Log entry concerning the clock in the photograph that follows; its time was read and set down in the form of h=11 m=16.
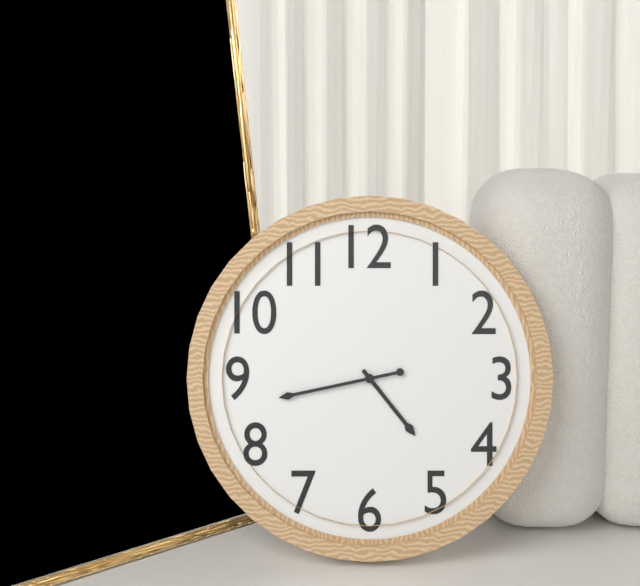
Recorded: h=4 m=43
